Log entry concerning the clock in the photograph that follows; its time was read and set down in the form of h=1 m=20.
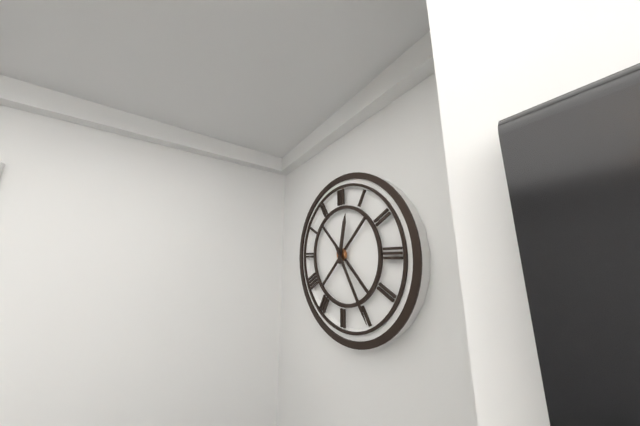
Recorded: h=12 m=25
